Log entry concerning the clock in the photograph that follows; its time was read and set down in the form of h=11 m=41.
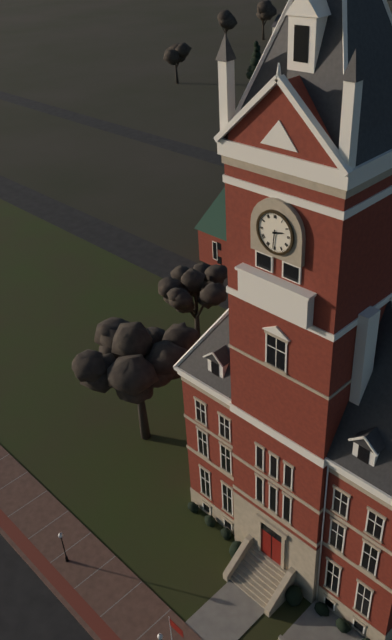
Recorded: h=2 m=31
